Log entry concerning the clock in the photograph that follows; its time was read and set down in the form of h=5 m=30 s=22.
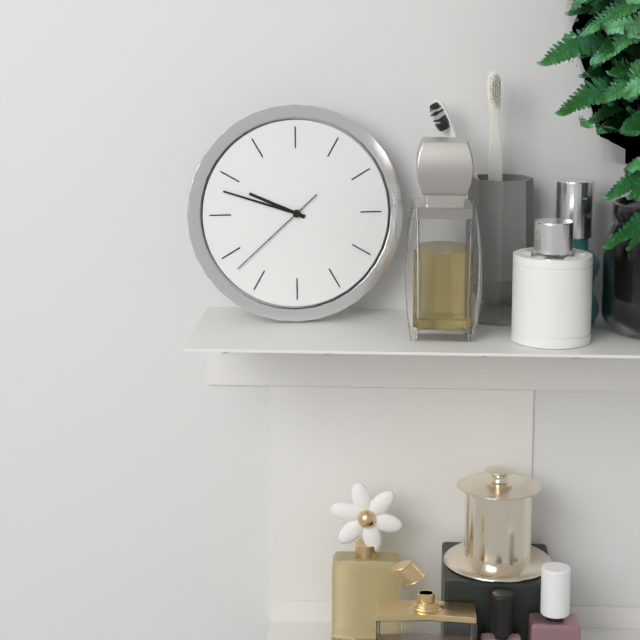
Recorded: h=9 m=48 s=38
